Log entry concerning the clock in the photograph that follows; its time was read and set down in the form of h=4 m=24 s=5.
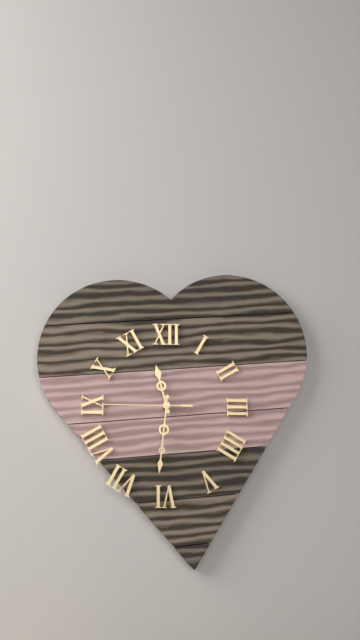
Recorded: h=11 m=31 s=45
